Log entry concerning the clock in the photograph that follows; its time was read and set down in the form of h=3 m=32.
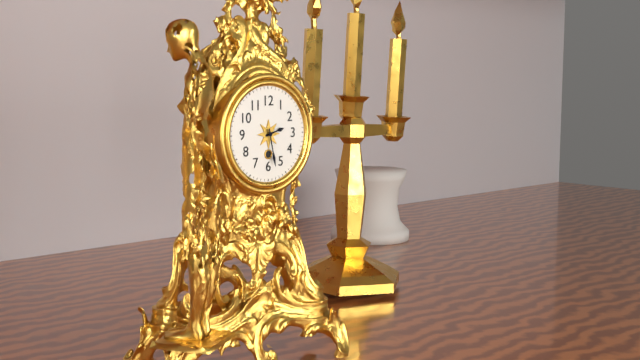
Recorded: h=2 m=28
